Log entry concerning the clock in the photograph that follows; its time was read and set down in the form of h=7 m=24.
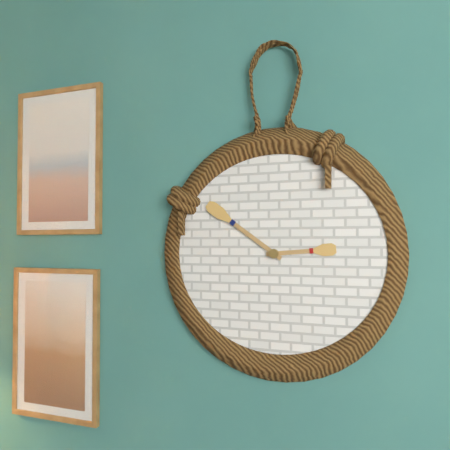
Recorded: h=2 m=51
